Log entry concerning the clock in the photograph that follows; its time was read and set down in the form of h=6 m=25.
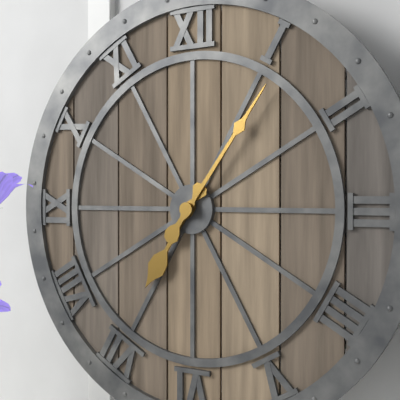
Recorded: h=7 m=6
